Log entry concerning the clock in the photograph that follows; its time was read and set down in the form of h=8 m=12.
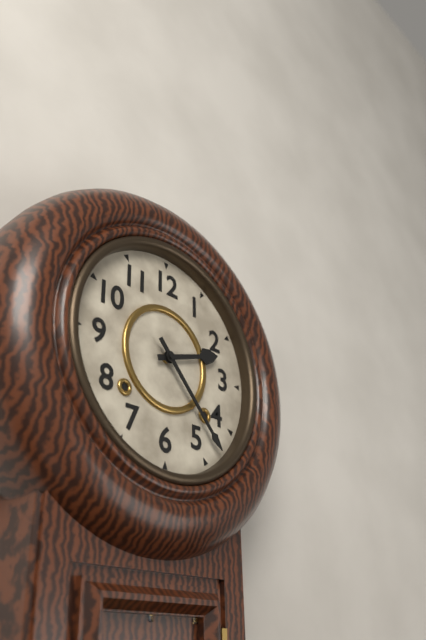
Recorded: h=2 m=23
